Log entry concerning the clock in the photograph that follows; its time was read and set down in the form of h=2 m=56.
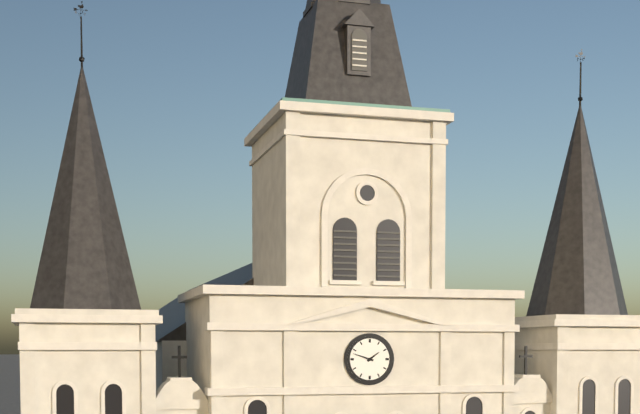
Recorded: h=1 m=48
